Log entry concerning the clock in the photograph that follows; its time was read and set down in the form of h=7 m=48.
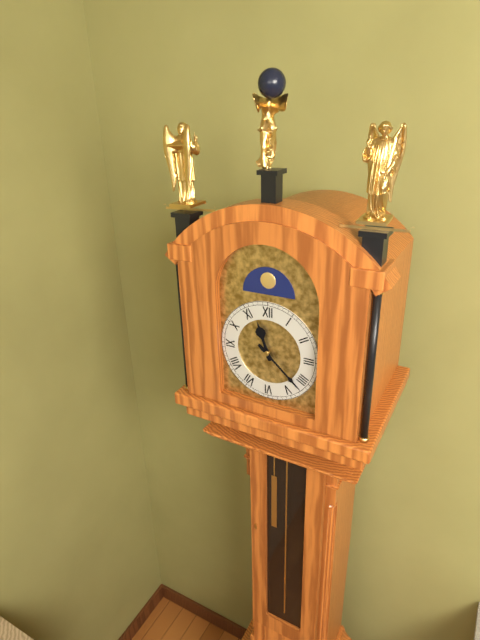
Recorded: h=11 m=22
